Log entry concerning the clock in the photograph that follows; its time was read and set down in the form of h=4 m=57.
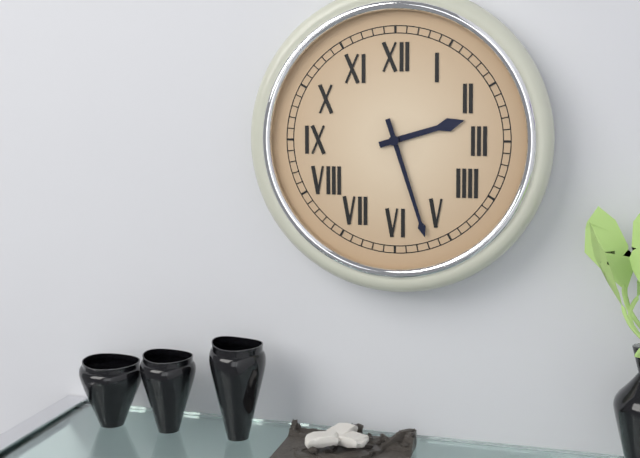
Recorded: h=2 m=27
